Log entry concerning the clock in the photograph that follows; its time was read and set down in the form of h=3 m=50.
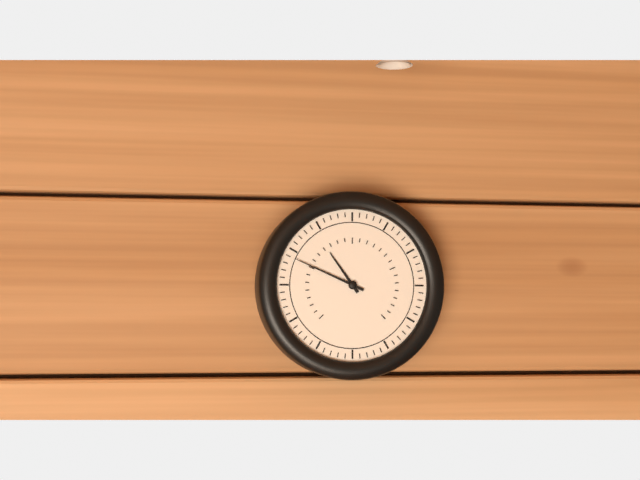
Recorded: h=10 m=49
